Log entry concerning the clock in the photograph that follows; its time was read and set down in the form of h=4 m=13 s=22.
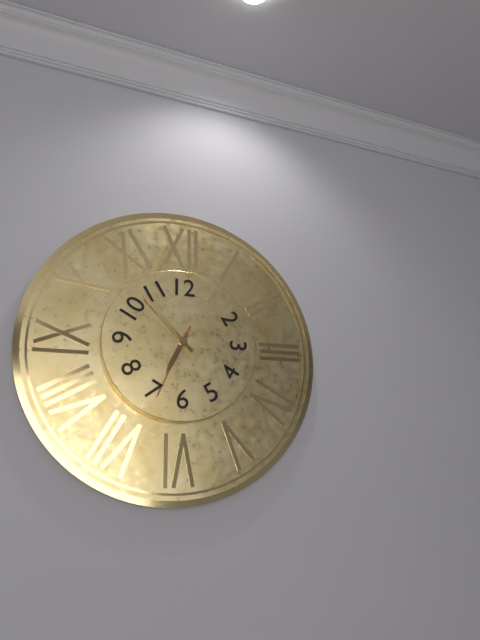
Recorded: h=6 m=53 s=34
